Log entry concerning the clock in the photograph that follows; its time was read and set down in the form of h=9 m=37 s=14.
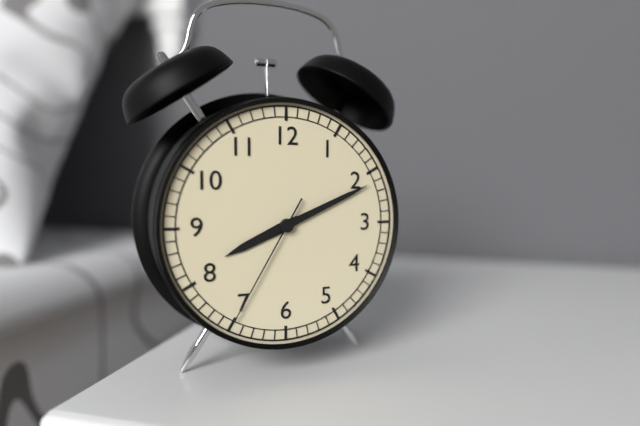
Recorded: h=8 m=11 s=35
